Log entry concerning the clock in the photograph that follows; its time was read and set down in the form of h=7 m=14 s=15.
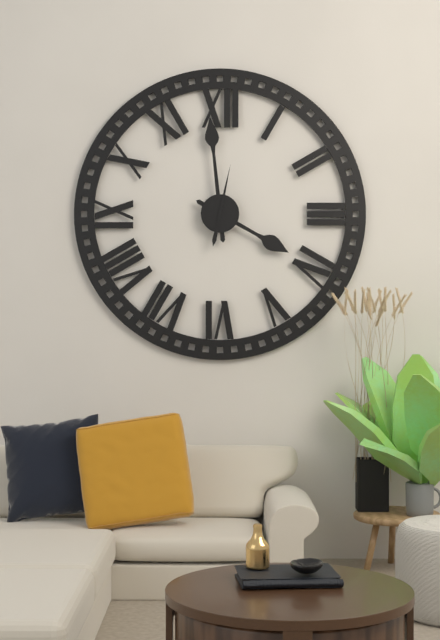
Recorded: h=3 m=59 s=2
